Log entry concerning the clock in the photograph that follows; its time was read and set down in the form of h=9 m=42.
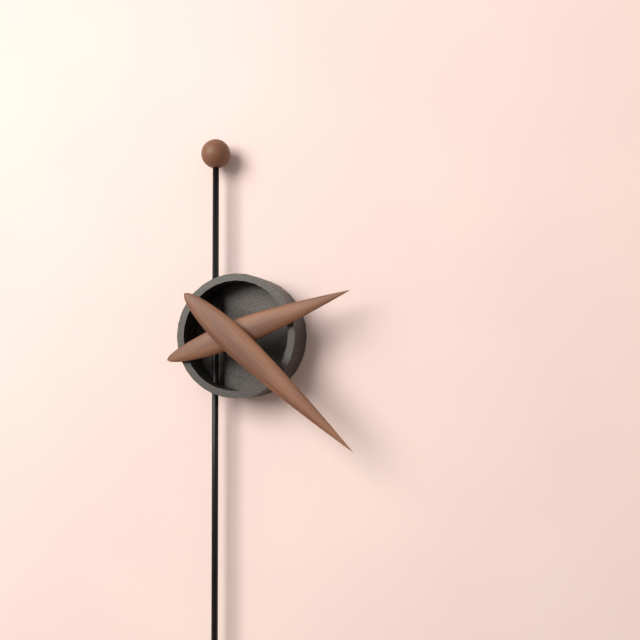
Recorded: h=2 m=22
